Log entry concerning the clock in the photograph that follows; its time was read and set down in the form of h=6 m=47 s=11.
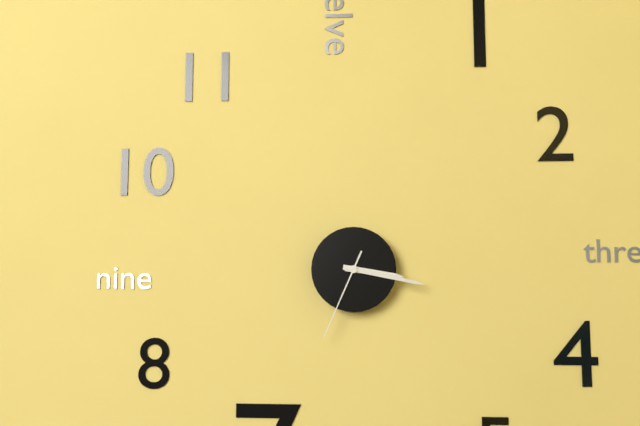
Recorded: h=3 m=17 s=34
